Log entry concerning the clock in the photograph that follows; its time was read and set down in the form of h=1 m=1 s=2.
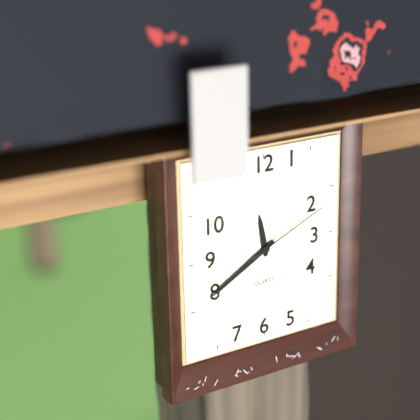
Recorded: h=11 m=40 s=11
